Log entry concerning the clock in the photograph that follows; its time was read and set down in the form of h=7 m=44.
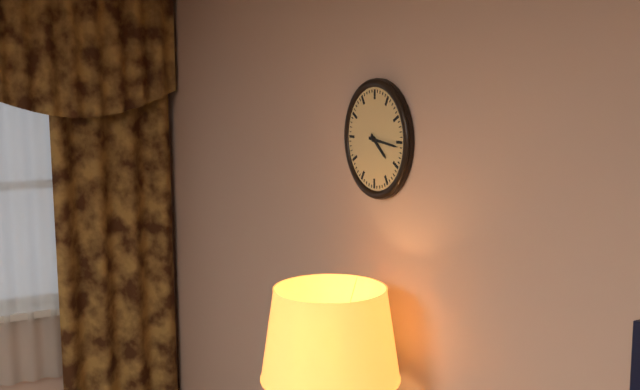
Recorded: h=4 m=16
